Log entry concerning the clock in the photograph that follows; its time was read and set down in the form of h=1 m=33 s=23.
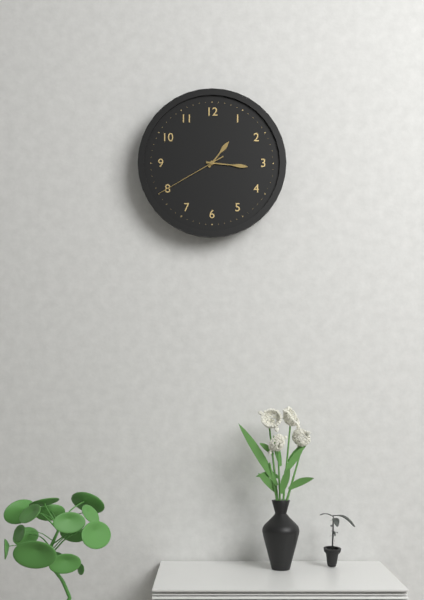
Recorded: h=1 m=16 s=40
